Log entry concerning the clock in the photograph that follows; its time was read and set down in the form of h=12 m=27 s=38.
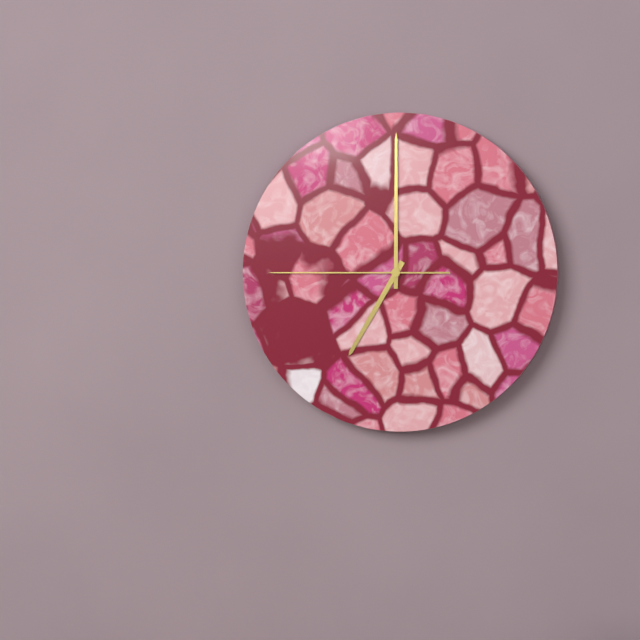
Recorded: h=7 m=0 s=45
